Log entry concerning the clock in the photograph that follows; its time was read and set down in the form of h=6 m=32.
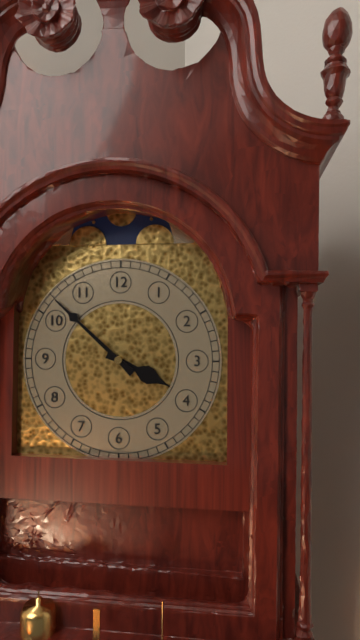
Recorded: h=3 m=52
